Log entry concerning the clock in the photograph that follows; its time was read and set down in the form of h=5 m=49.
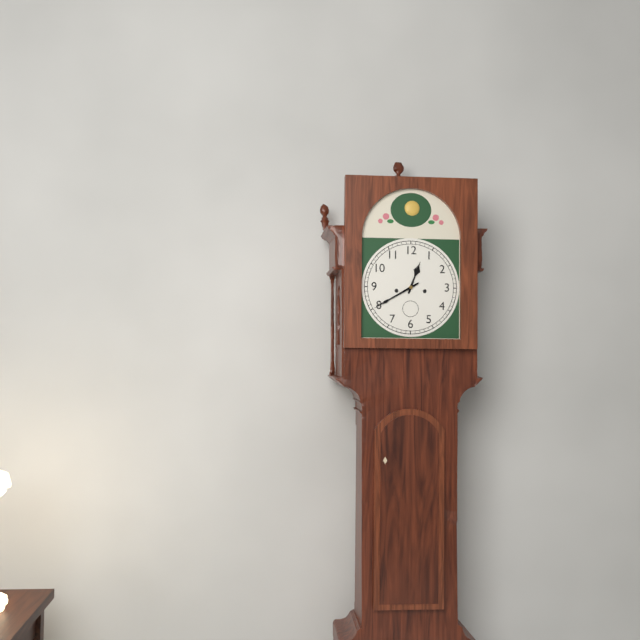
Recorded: h=12 m=40
